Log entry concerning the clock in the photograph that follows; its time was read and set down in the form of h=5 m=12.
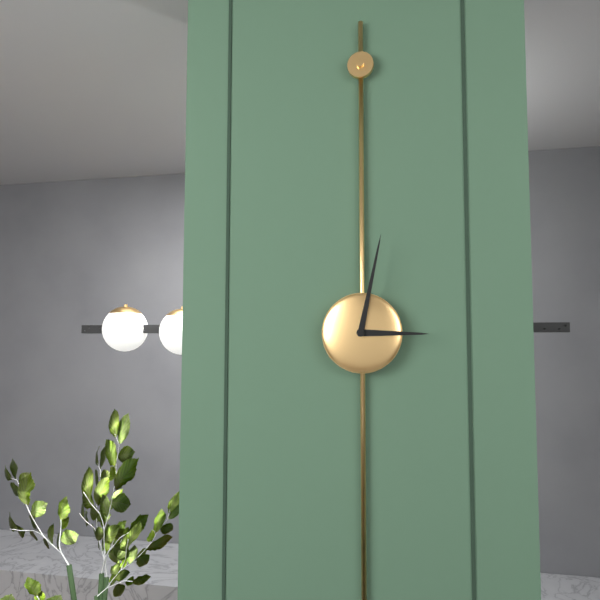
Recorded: h=3 m=2
